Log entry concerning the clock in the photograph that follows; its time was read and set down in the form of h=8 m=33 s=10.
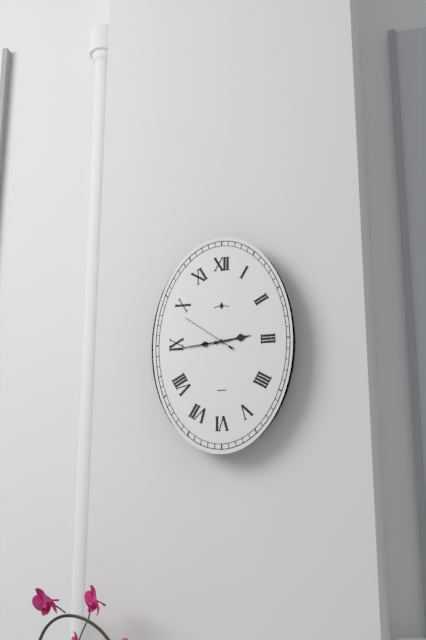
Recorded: h=2 m=44 s=51
